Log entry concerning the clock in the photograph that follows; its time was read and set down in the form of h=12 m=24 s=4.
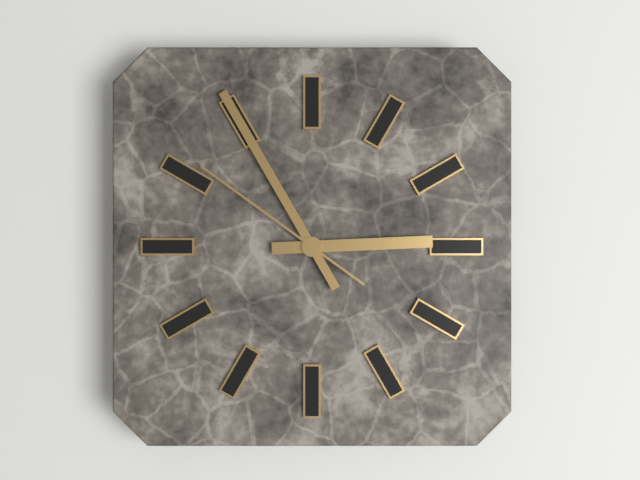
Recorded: h=2 m=55 s=51
